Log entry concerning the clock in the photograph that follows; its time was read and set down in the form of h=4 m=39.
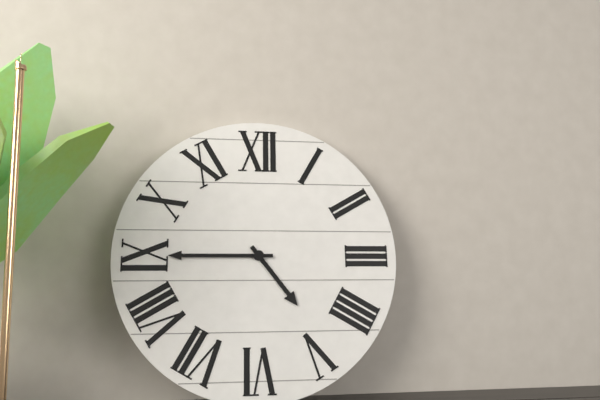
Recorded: h=4 m=45
